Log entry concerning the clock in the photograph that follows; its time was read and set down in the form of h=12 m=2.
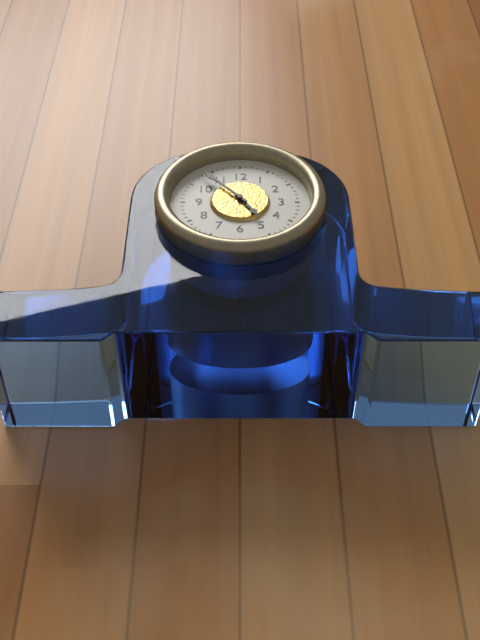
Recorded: h=4 m=53
